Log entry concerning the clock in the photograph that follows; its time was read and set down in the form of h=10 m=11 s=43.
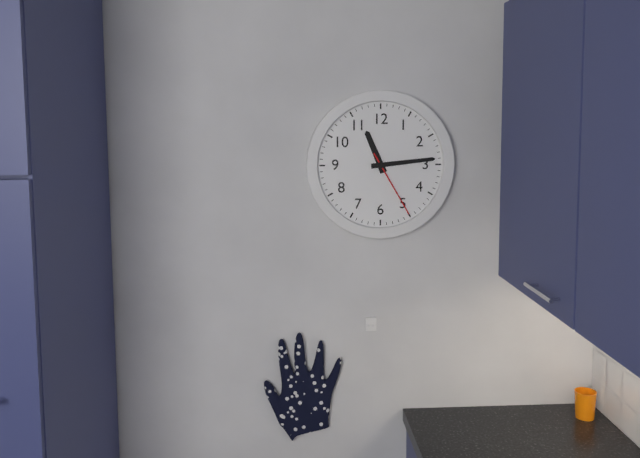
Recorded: h=11 m=14 s=25
